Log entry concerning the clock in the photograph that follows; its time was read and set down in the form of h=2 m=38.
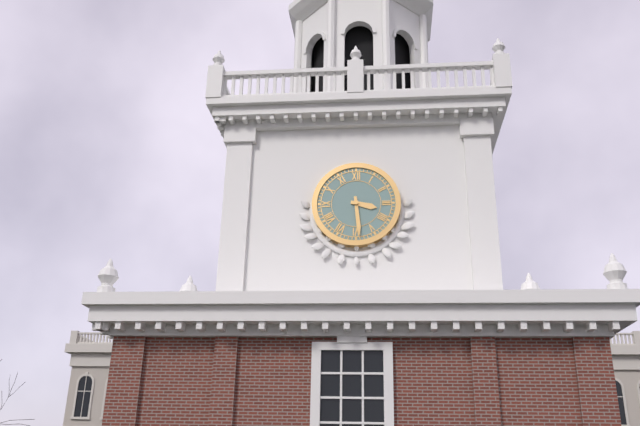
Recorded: h=3 m=29
